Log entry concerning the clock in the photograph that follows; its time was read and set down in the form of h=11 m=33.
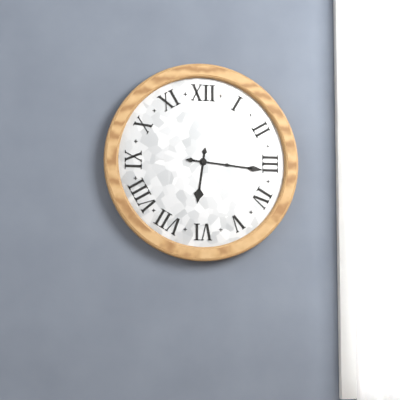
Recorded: h=6 m=16
